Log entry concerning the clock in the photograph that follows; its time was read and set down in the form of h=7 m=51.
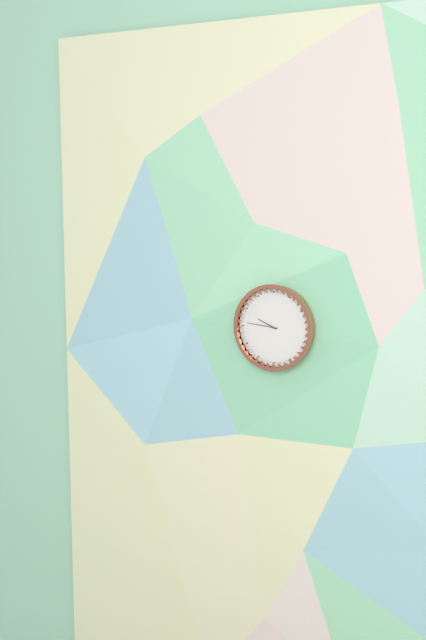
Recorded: h=9 m=46
